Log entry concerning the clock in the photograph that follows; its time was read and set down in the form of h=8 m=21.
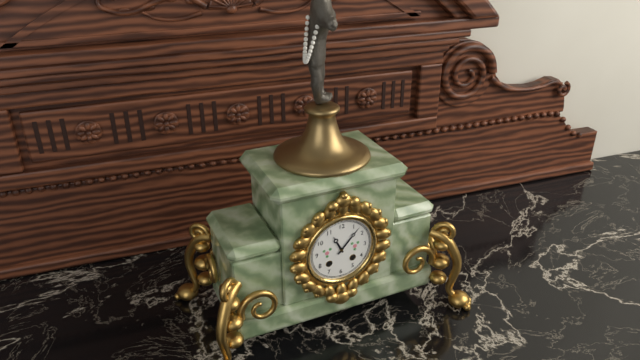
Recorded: h=11 m=7
